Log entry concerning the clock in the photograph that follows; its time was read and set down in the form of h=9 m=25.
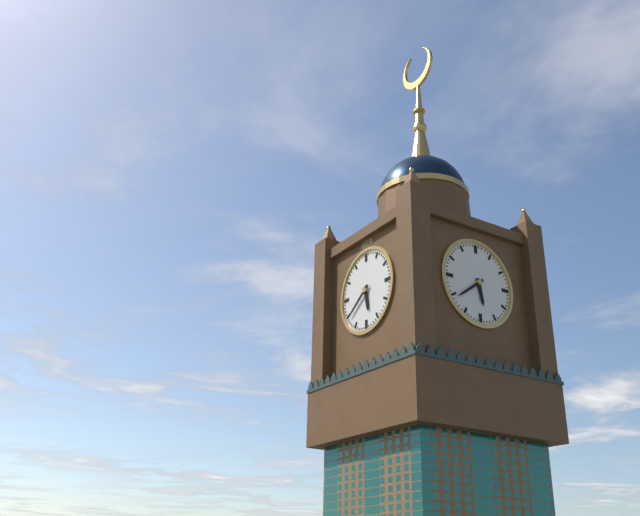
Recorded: h=5 m=39
